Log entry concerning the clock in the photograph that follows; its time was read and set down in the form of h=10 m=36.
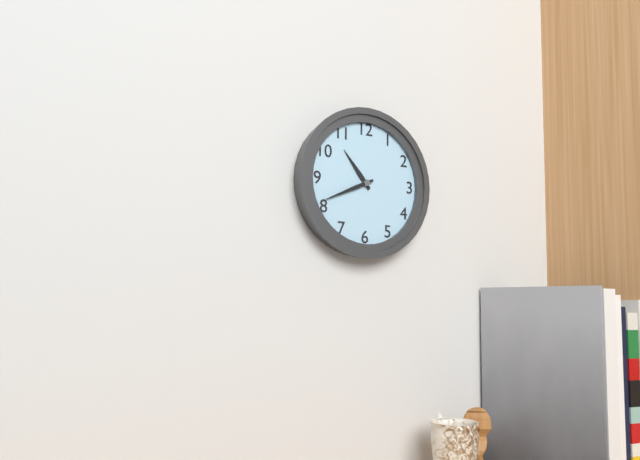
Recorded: h=10 m=41
